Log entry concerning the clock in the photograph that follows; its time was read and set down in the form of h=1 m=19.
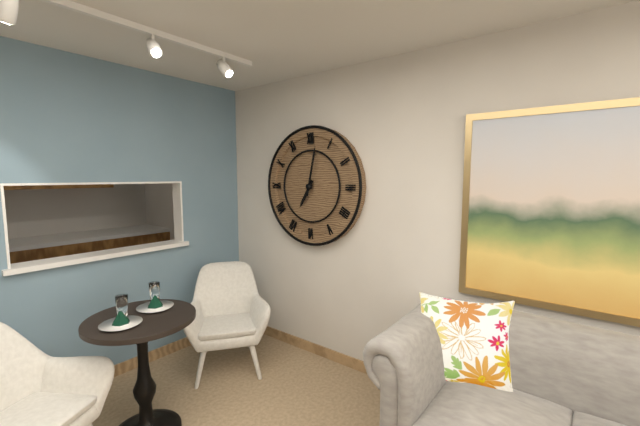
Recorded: h=7 m=2
